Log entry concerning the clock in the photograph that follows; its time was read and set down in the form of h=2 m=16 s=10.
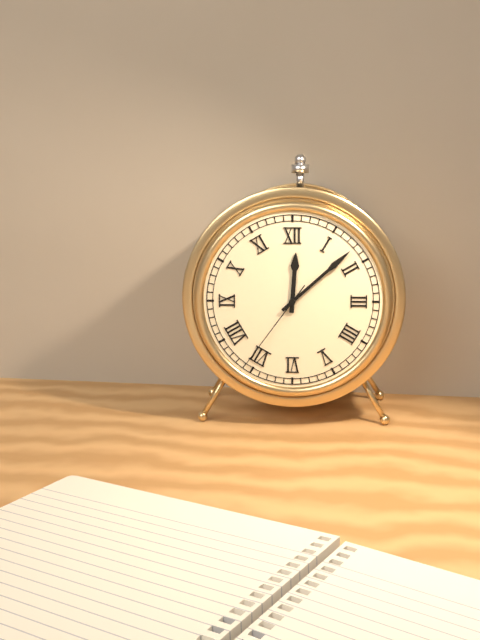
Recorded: h=12 m=8 s=36
